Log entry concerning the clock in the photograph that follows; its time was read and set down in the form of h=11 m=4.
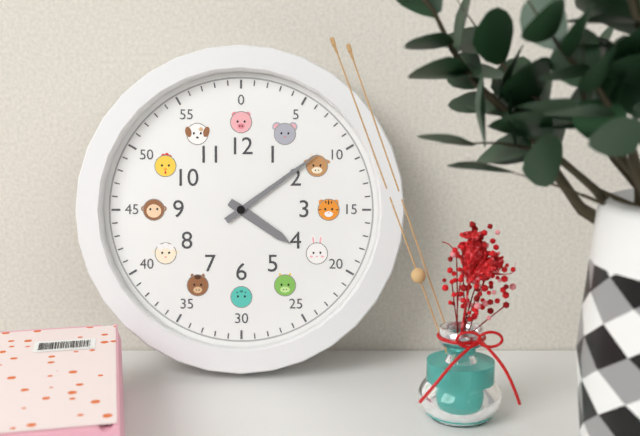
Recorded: h=4 m=9
